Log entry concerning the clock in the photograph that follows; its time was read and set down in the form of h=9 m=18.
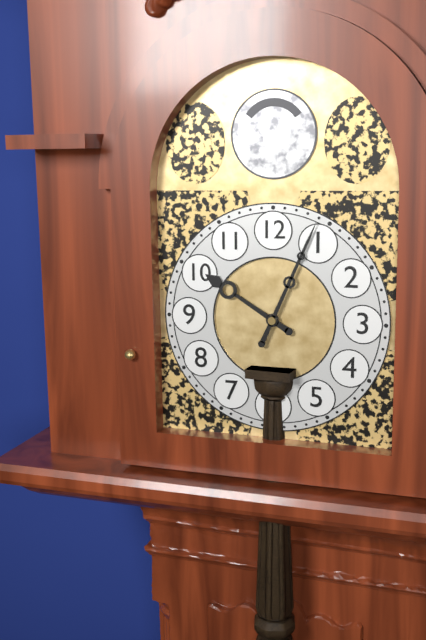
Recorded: h=10 m=4
